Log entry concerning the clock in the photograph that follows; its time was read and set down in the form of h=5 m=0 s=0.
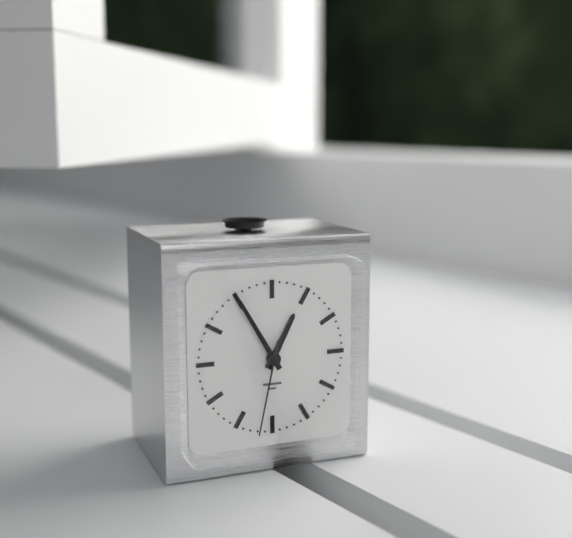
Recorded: h=12 m=55 s=32
